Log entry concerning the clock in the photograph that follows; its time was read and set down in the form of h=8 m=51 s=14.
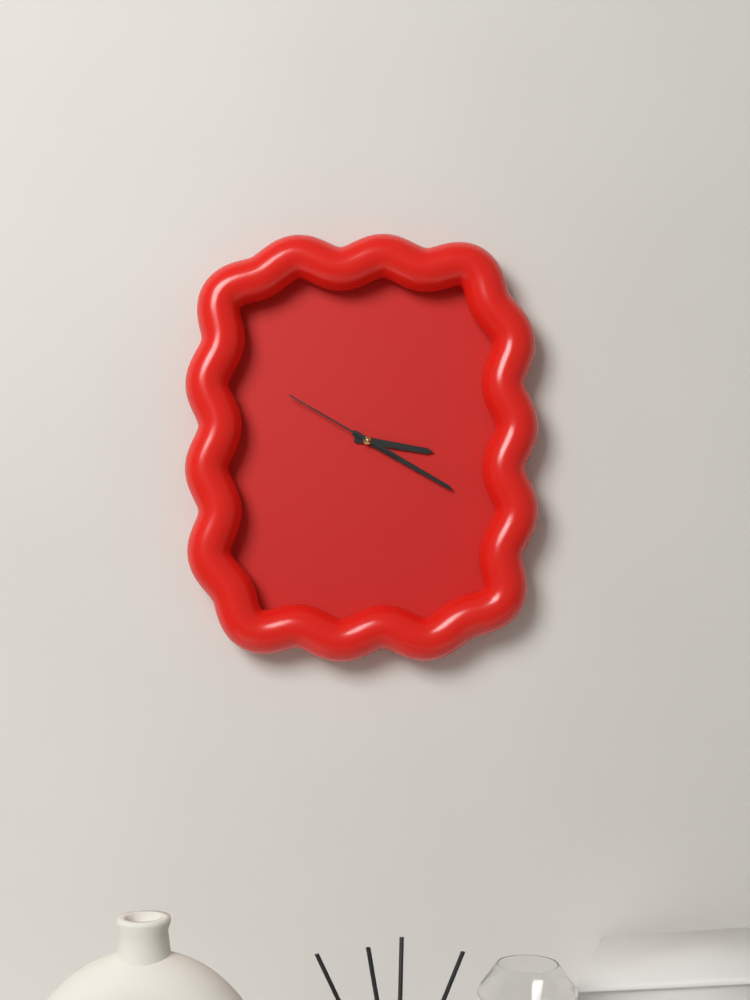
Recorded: h=3 m=20 s=50
